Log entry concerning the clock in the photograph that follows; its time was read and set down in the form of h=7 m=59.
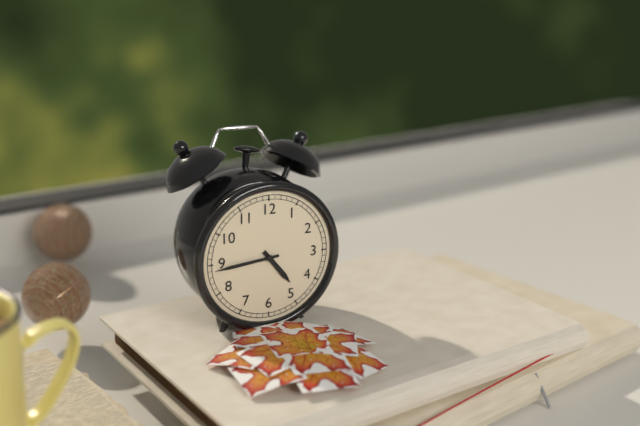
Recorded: h=4 m=44
